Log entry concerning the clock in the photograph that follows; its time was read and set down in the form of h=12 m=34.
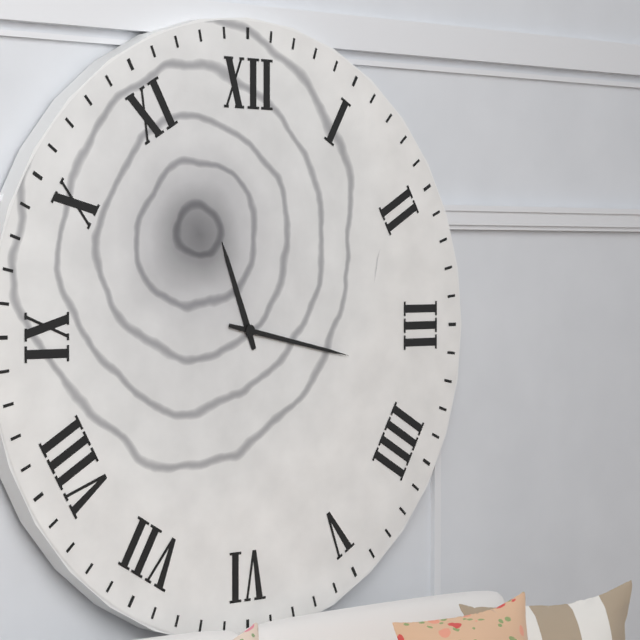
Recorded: h=11 m=17
